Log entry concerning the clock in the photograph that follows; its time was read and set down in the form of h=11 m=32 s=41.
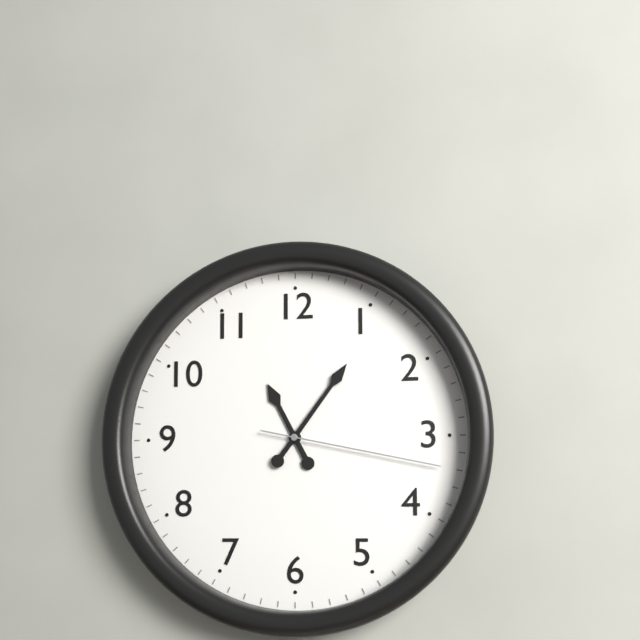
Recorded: h=11 m=6 s=17
